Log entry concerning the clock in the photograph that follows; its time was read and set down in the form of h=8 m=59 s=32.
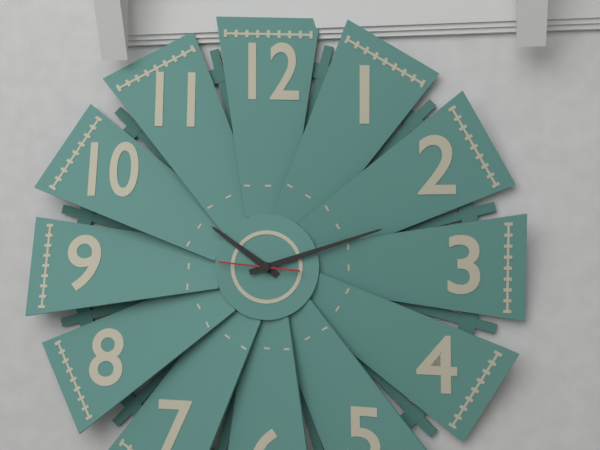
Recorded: h=10 m=12 s=46
